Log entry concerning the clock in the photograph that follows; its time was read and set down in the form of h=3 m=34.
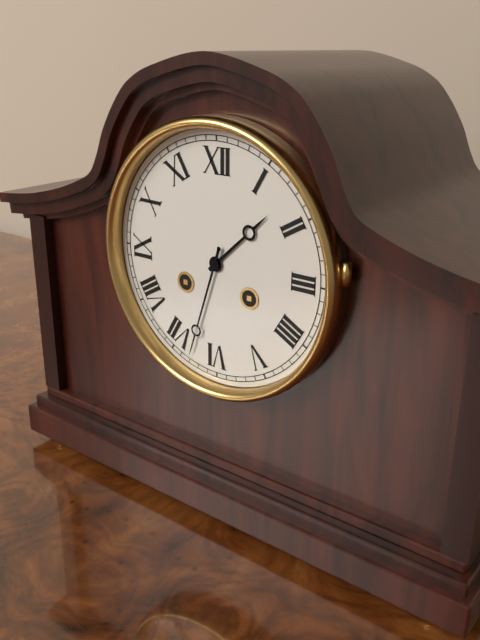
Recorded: h=1 m=33
